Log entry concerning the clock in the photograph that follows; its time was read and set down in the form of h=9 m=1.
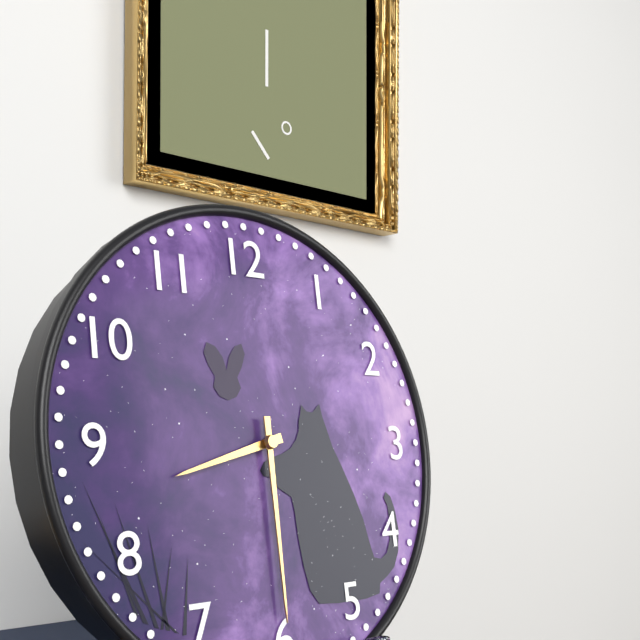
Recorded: h=8 m=30
